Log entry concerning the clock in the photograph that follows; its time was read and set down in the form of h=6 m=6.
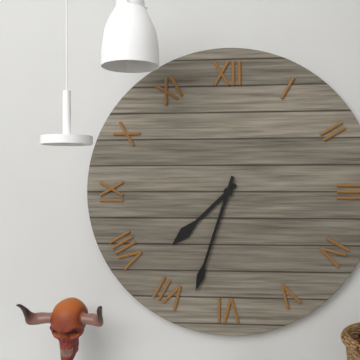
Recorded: h=7 m=33
